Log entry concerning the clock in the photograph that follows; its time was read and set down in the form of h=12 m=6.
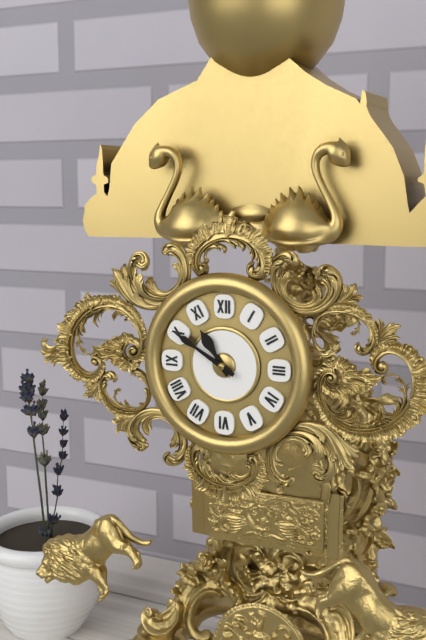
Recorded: h=10 m=50
